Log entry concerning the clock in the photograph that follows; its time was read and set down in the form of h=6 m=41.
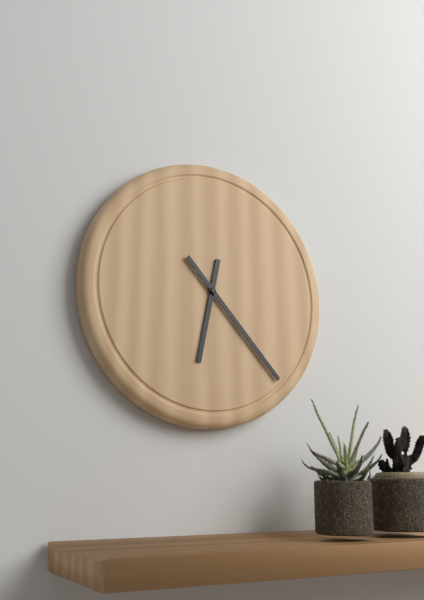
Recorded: h=6 m=23
